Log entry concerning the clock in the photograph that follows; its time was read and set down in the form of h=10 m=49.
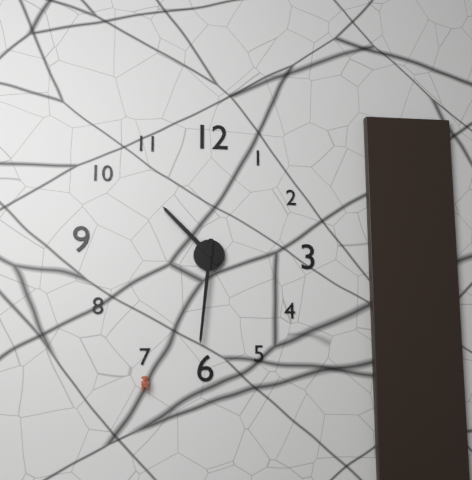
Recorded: h=10 m=31
